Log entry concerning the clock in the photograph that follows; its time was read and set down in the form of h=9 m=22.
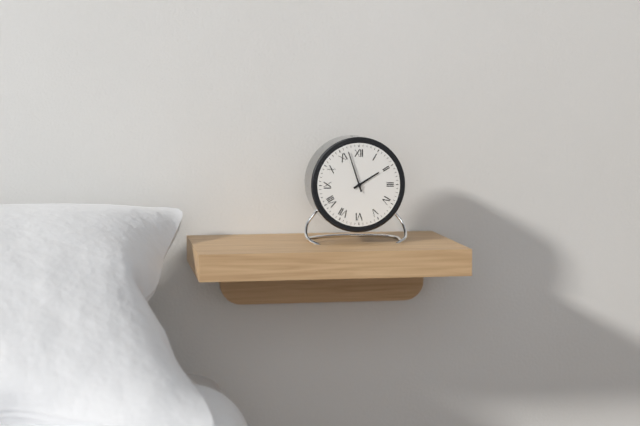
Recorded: h=1 m=57
